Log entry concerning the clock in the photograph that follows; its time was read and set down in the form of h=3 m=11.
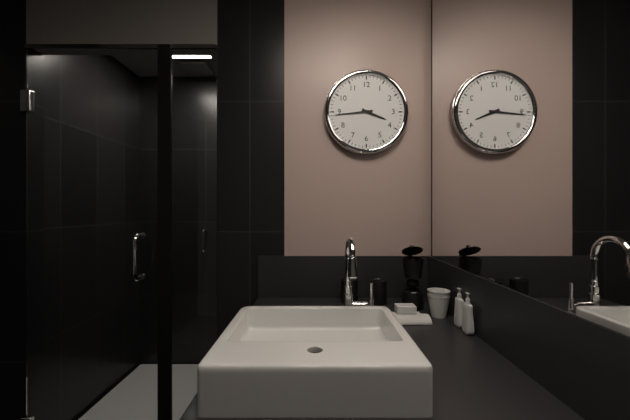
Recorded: h=3 m=44
